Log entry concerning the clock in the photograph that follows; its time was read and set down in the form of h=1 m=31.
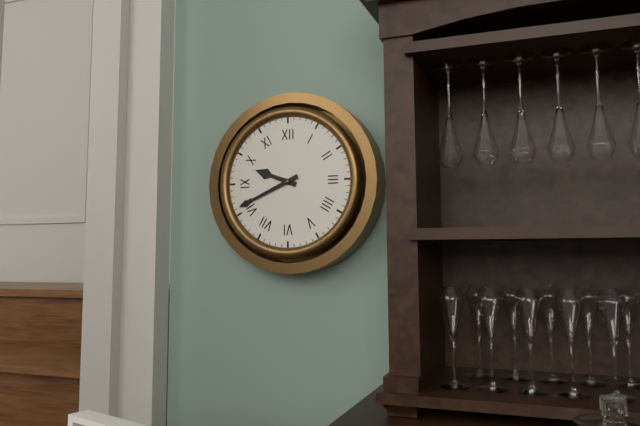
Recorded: h=9 m=41
